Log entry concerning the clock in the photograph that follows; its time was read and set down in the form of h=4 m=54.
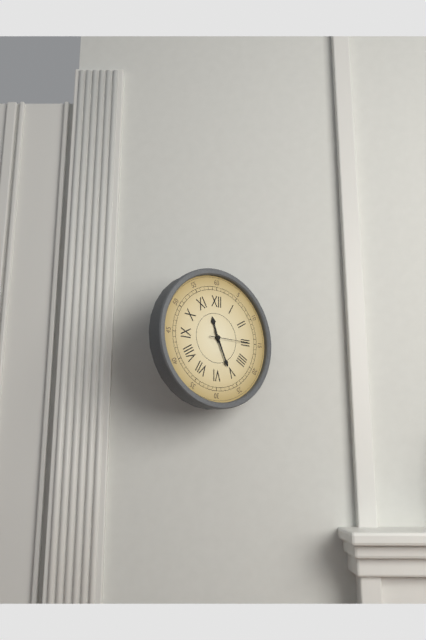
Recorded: h=11 m=26
